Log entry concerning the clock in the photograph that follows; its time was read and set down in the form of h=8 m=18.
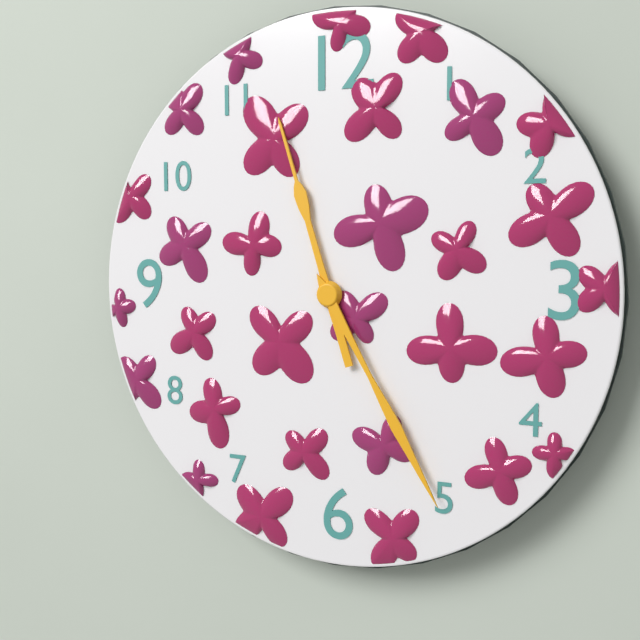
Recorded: h=11 m=25
